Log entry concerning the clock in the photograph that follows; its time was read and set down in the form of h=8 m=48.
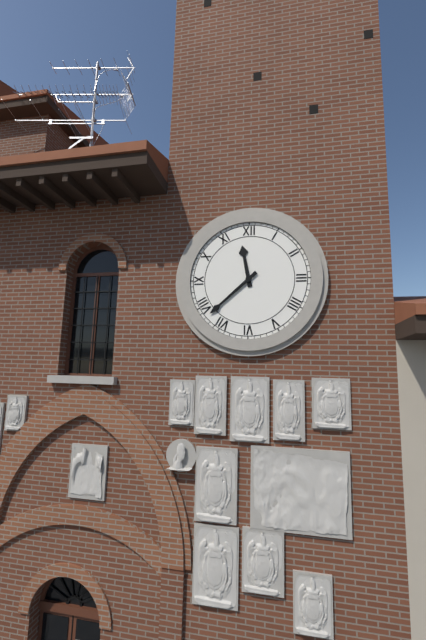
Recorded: h=11 m=38
